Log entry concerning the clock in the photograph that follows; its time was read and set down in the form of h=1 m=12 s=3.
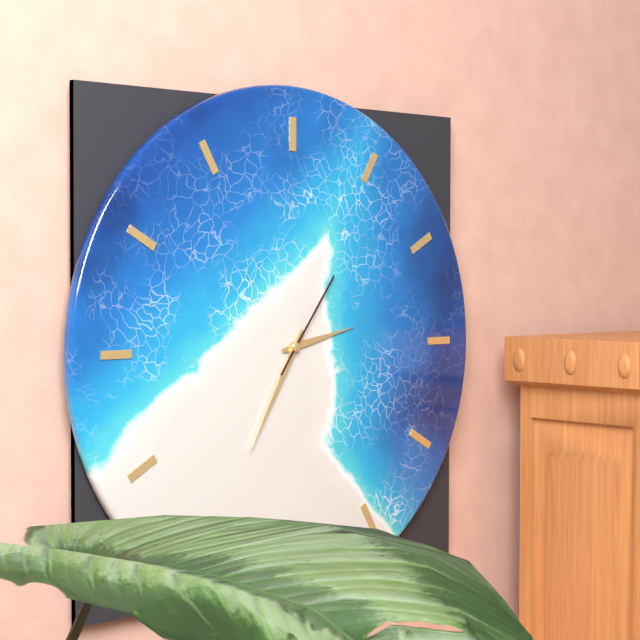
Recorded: h=2 m=35 s=6
